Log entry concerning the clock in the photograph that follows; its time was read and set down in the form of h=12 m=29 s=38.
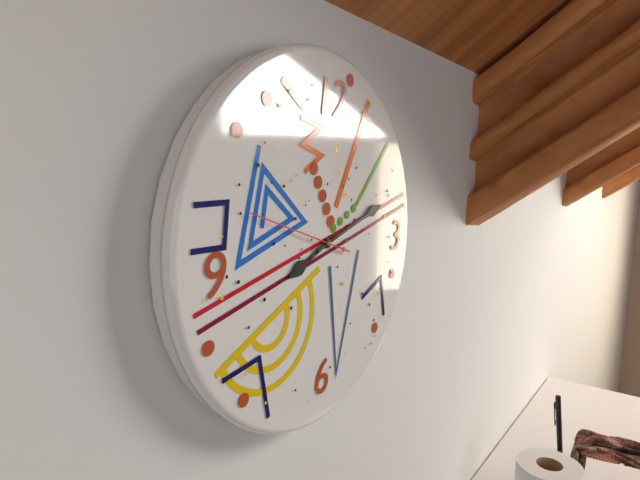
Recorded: h=8 m=12 s=48
